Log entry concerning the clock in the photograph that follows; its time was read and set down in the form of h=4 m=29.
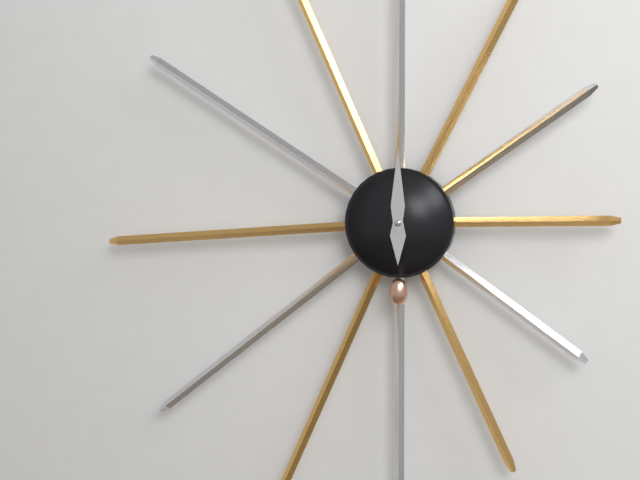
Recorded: h=6 m=0
